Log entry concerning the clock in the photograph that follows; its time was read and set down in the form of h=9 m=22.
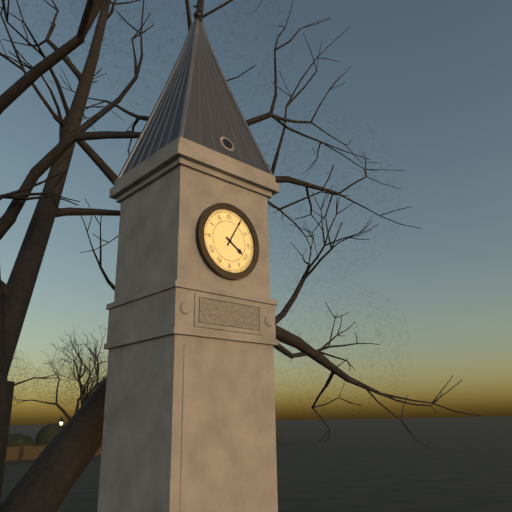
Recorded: h=4 m=5
